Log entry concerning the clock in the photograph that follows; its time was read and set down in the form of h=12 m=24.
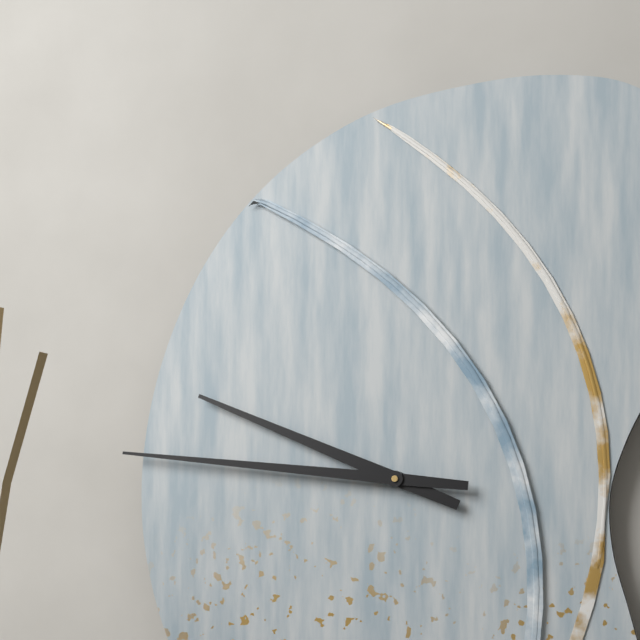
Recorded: h=9 m=46
